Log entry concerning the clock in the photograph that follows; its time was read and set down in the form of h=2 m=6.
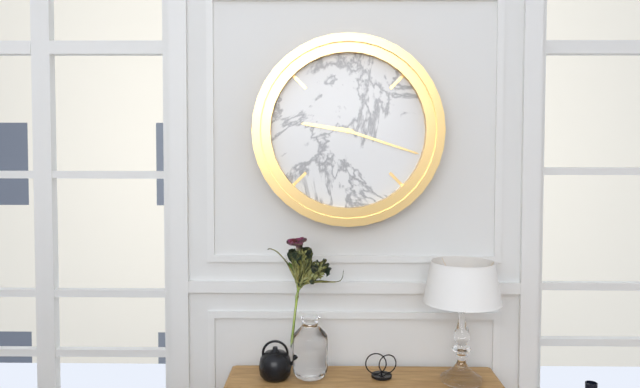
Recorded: h=9 m=18
